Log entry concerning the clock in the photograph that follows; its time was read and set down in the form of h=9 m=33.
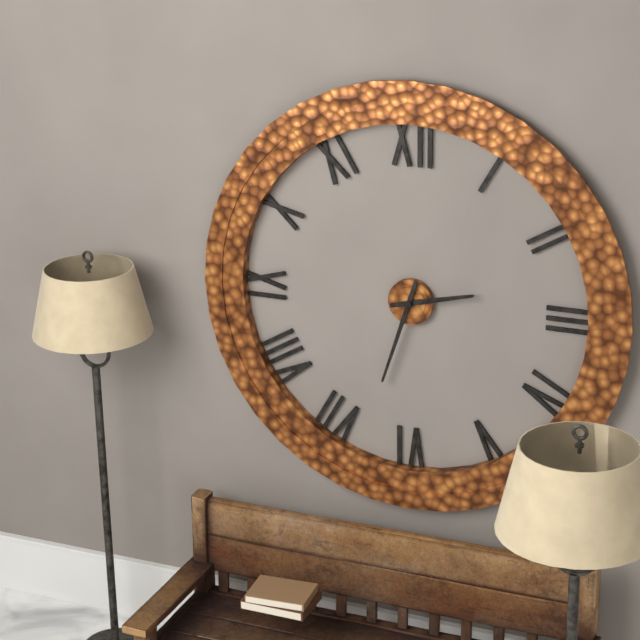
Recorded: h=2 m=33
